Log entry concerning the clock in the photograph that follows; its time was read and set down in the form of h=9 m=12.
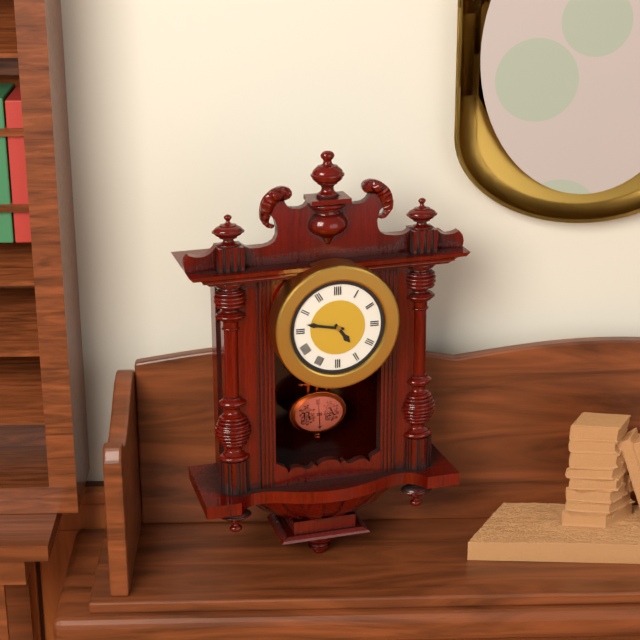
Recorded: h=4 m=47
